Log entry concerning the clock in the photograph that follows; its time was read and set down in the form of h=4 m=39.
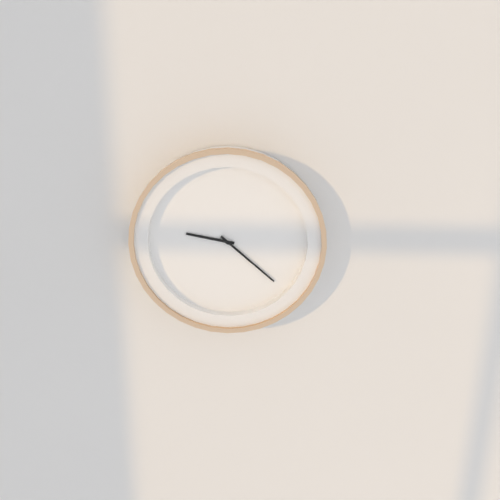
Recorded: h=9 m=22
